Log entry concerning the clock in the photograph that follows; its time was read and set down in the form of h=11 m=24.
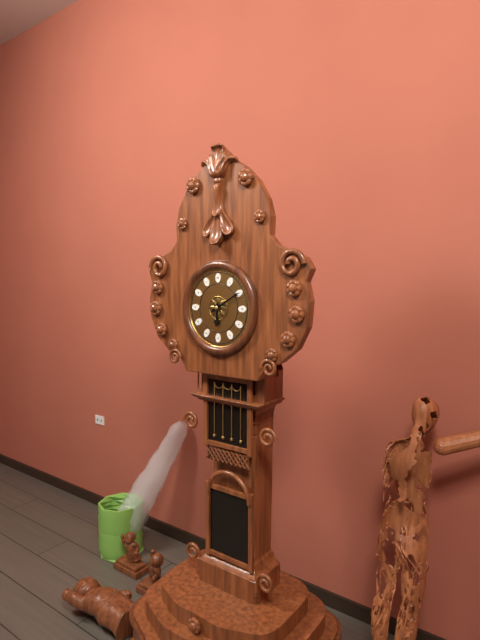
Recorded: h=6 m=10
